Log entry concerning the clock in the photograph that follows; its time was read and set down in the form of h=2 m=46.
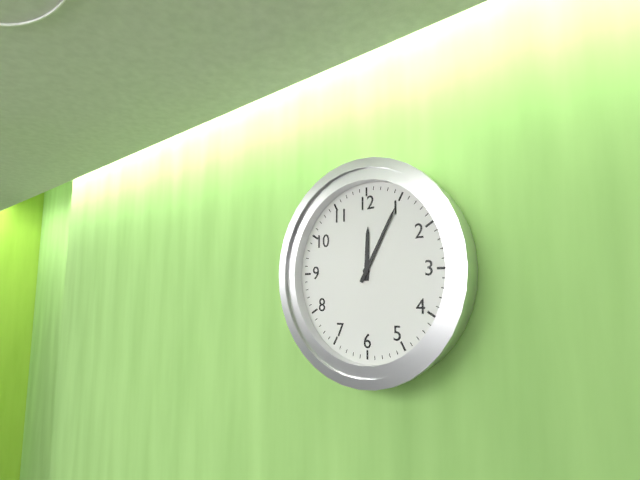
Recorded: h=12 m=5
